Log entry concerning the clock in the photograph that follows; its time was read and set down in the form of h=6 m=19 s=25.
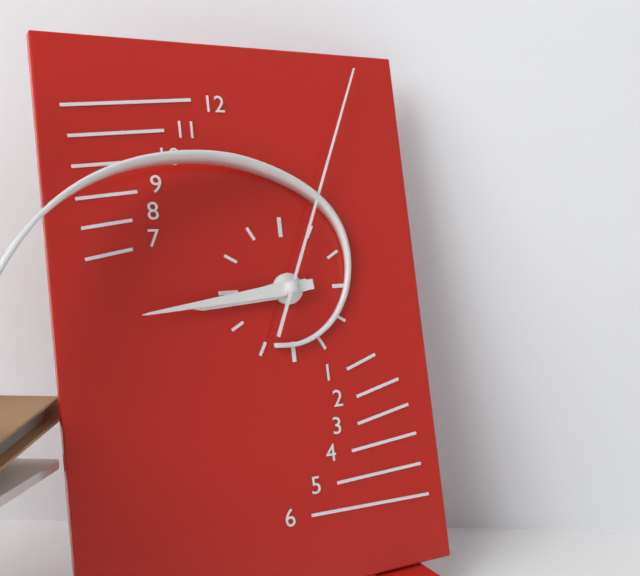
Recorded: h=8 m=44 s=4
